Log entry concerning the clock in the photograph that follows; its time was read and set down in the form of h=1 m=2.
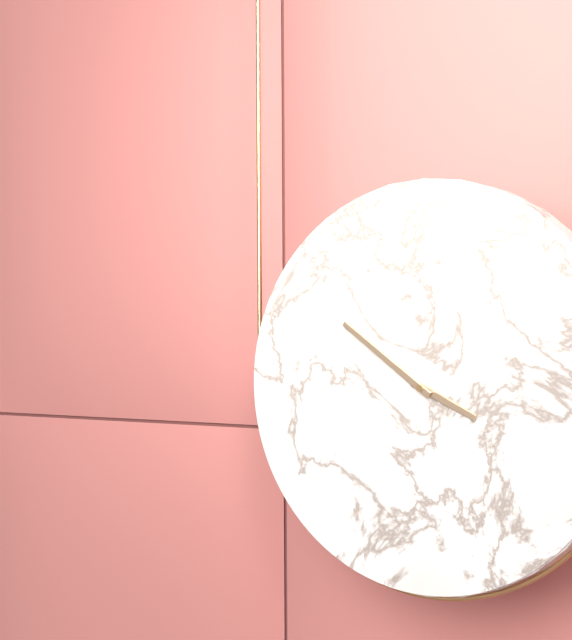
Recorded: h=3 m=51
